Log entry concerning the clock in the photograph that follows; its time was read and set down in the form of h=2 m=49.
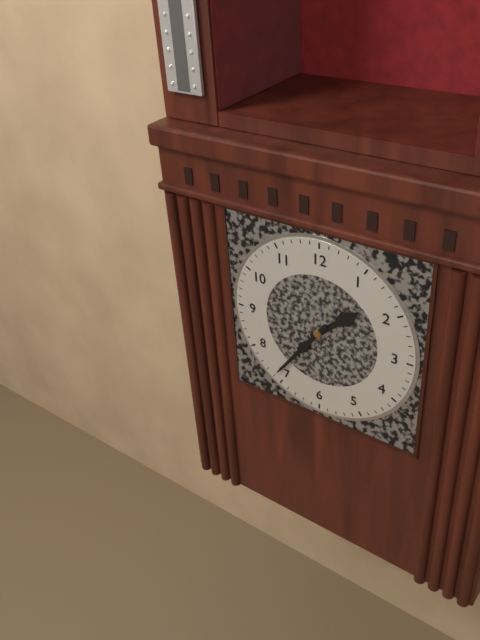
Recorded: h=1 m=36
